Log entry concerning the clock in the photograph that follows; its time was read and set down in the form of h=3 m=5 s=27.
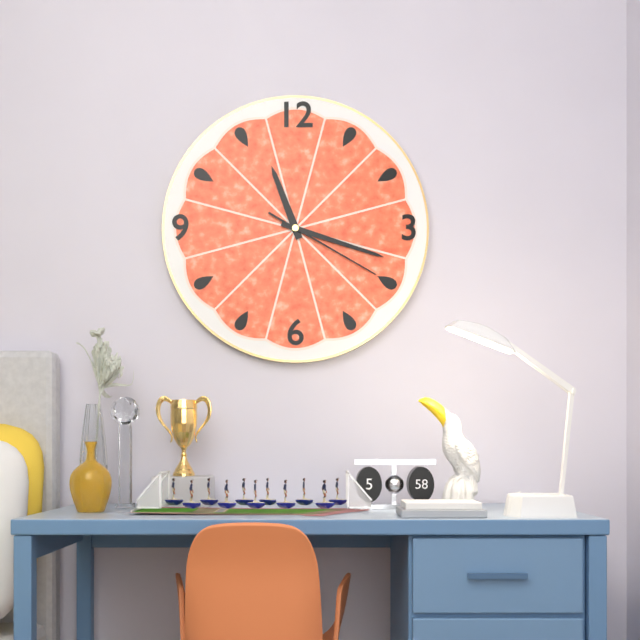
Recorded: h=11 m=18 s=20
